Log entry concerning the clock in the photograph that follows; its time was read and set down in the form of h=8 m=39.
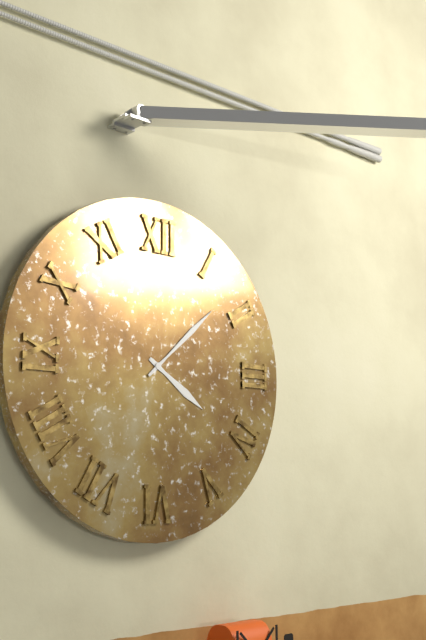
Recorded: h=4 m=8
